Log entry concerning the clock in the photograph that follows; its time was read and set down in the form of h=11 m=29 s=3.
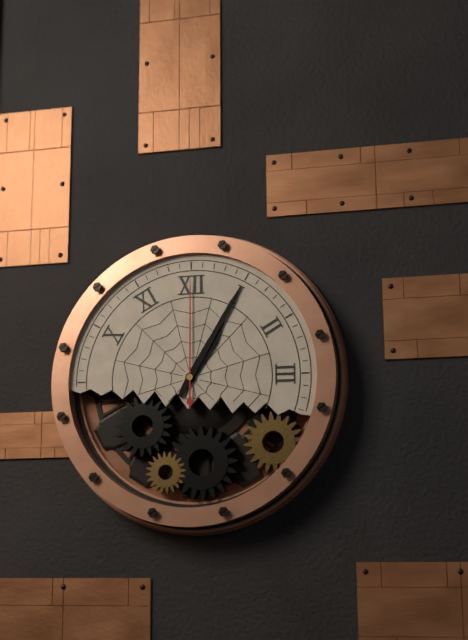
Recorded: h=1 m=5 s=0
